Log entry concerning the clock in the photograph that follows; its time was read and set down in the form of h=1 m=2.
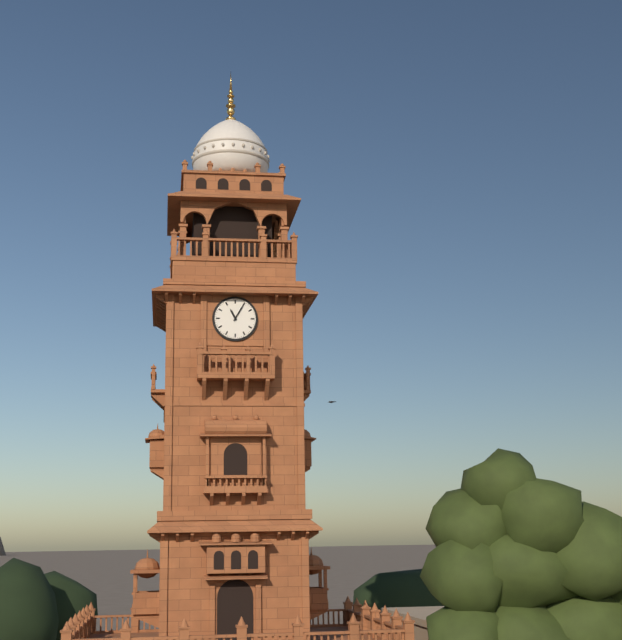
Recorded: h=11 m=5
